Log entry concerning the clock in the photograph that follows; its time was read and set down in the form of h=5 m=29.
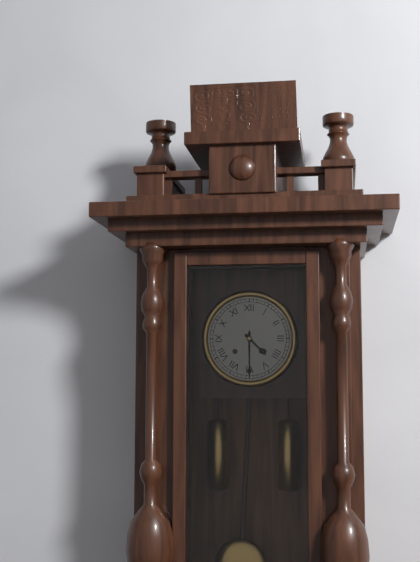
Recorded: h=4 m=30
